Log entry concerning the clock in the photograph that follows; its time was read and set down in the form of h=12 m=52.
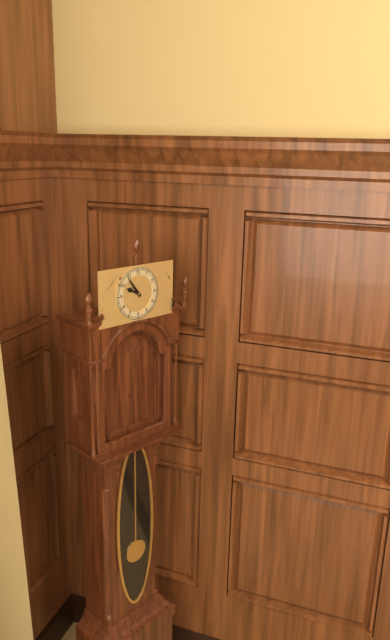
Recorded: h=9 m=54
